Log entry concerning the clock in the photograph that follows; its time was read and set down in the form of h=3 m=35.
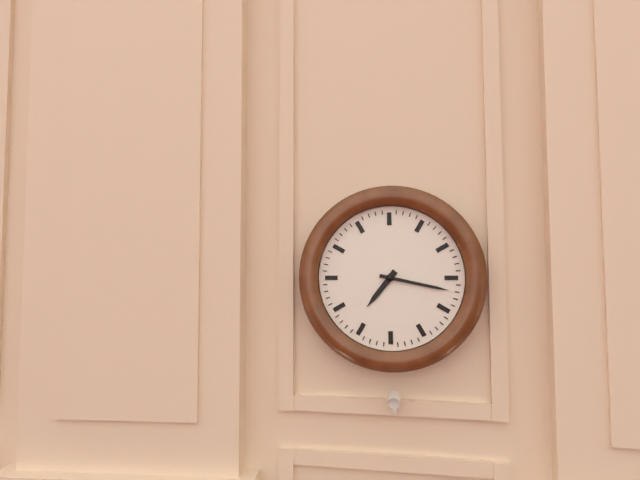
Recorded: h=7 m=17
